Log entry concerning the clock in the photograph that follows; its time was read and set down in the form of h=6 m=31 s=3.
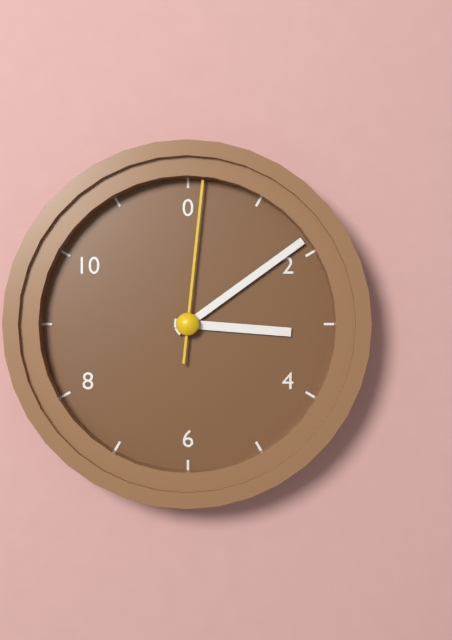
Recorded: h=3 m=9 s=1
